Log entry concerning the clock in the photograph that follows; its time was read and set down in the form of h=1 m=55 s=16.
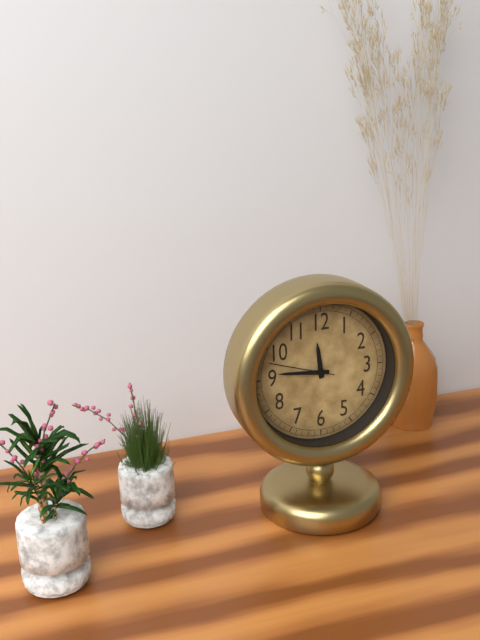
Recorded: h=11 m=46 s=48
